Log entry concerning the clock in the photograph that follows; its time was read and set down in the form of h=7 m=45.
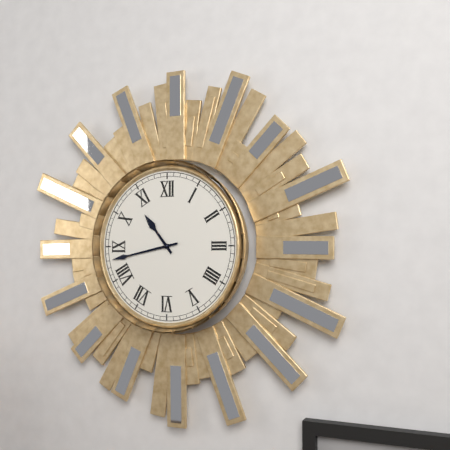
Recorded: h=10 m=43
